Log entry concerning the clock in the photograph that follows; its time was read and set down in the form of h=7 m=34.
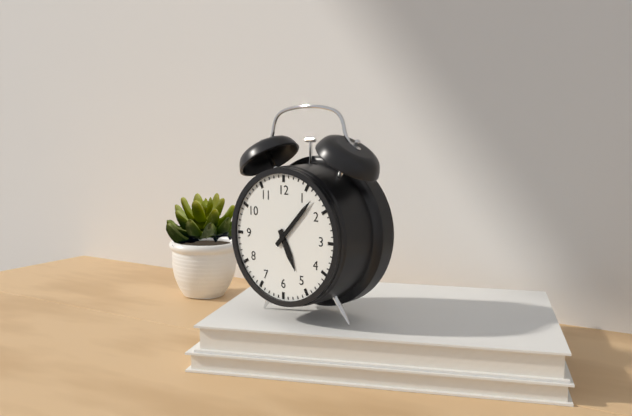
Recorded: h=5 m=7
